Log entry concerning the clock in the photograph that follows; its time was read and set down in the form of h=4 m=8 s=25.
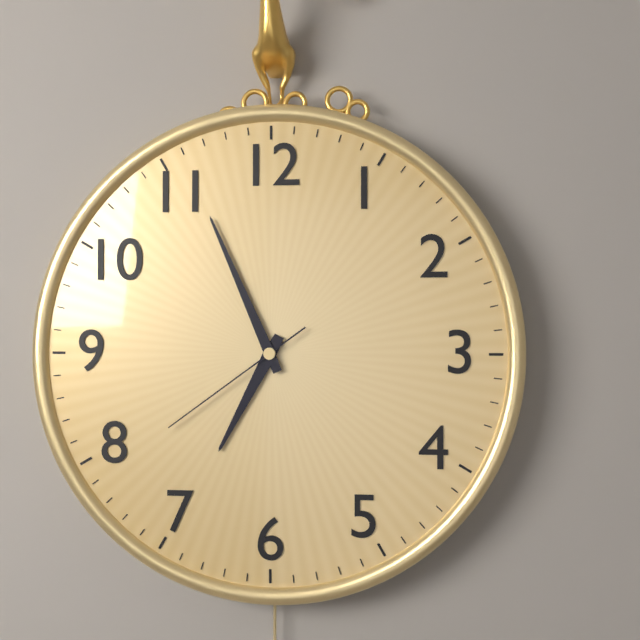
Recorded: h=6 m=56 s=39
